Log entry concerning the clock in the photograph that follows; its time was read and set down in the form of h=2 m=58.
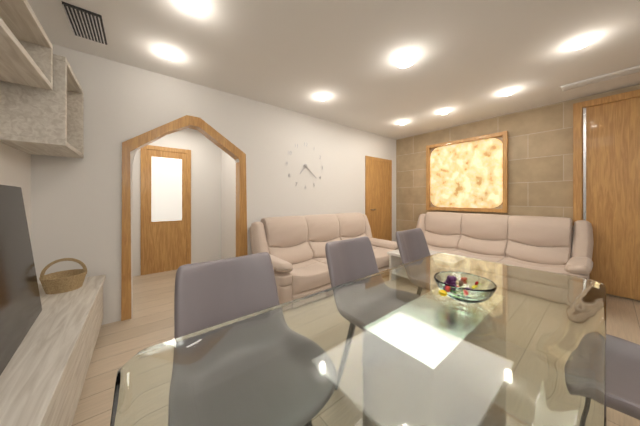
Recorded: h=7 m=22
